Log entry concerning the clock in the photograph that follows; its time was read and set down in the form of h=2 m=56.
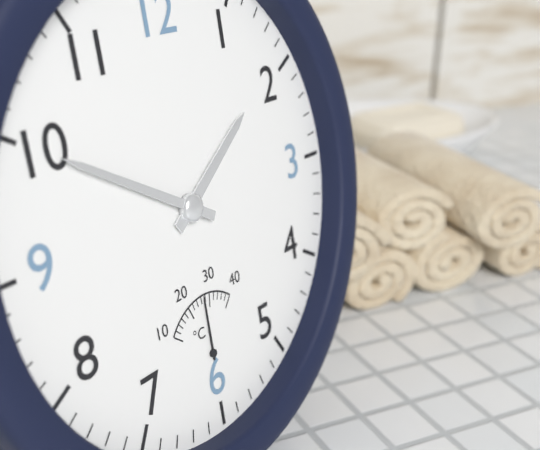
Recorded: h=1 m=50
